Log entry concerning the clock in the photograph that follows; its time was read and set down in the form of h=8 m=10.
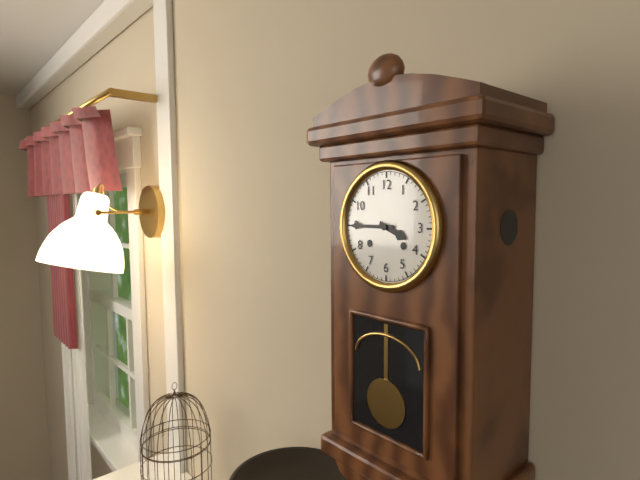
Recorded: h=3 m=45
